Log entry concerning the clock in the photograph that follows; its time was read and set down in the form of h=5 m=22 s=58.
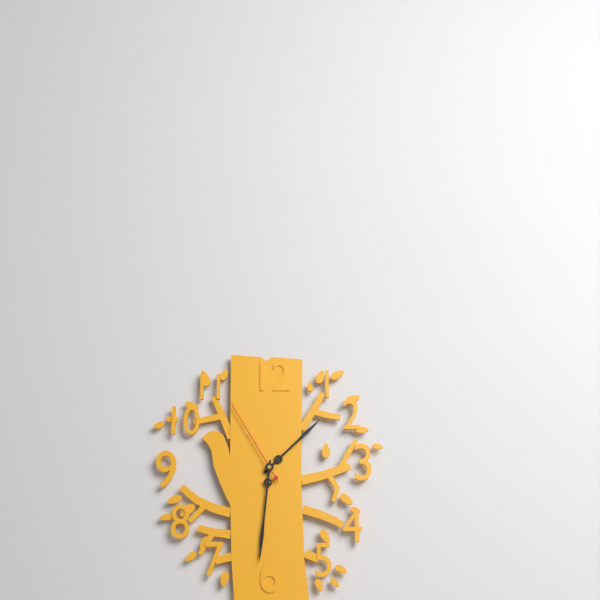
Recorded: h=1 m=31 s=55
